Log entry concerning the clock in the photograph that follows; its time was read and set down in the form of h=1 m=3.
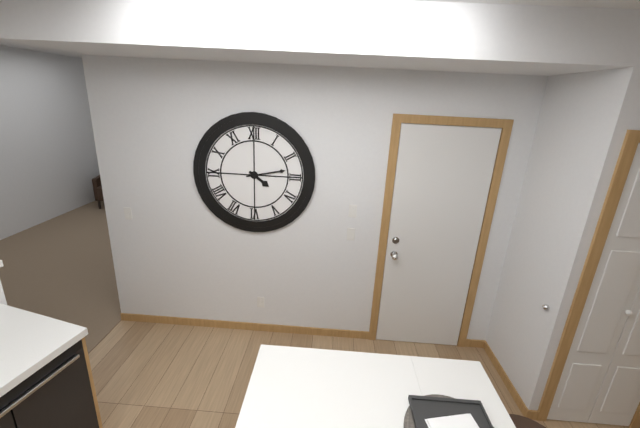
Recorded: h=4 m=13
